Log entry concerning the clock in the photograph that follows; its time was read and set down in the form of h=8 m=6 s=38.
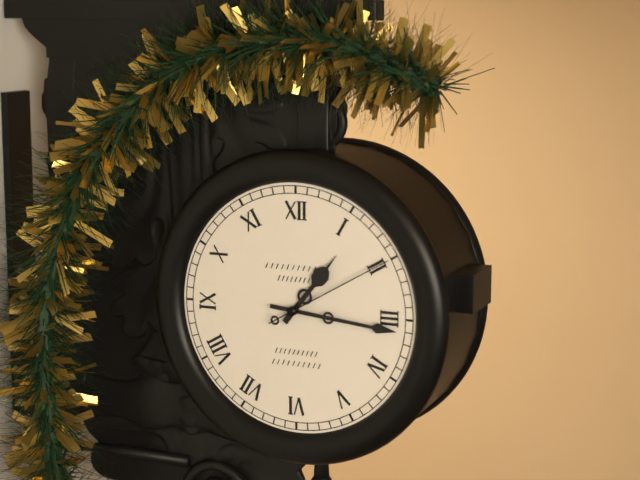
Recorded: h=1 m=16 s=10
